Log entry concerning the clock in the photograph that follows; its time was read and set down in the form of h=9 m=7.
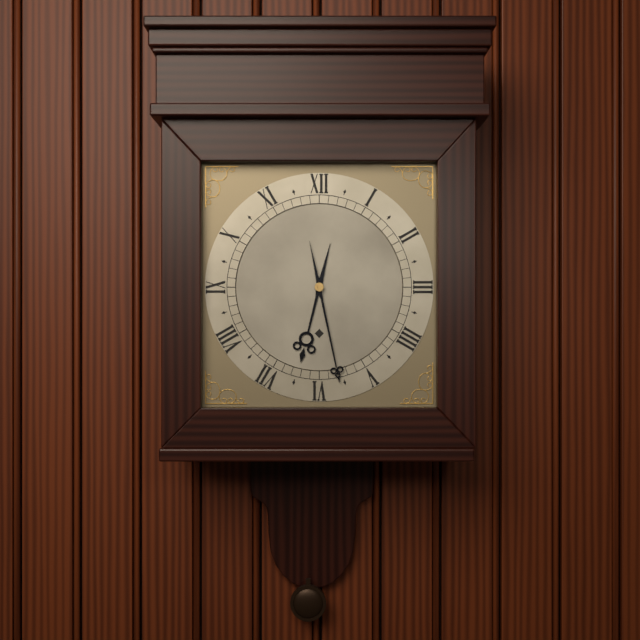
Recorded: h=6 m=28
